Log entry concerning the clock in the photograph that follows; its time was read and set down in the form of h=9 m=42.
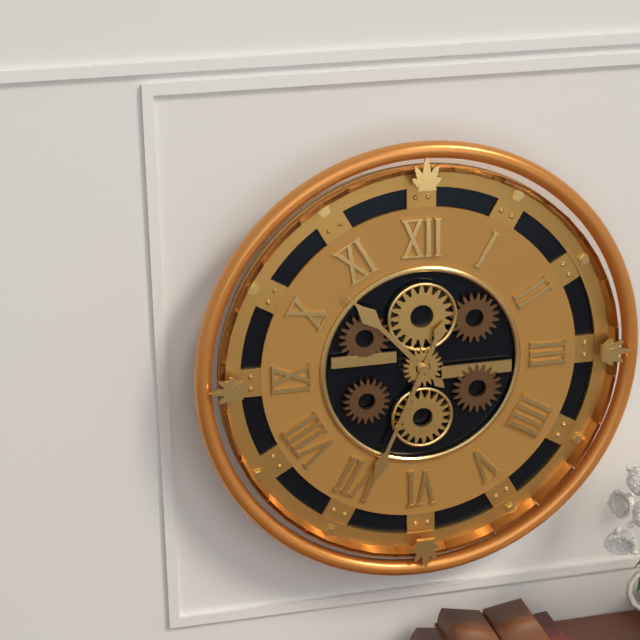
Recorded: h=10 m=34
